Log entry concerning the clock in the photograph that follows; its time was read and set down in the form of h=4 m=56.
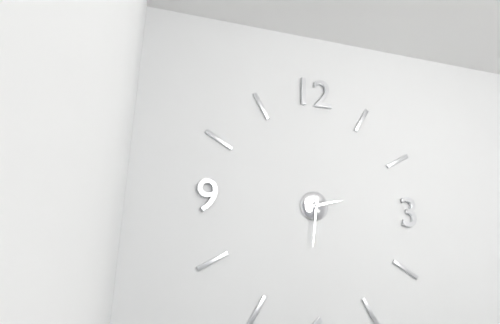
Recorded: h=2 m=31
